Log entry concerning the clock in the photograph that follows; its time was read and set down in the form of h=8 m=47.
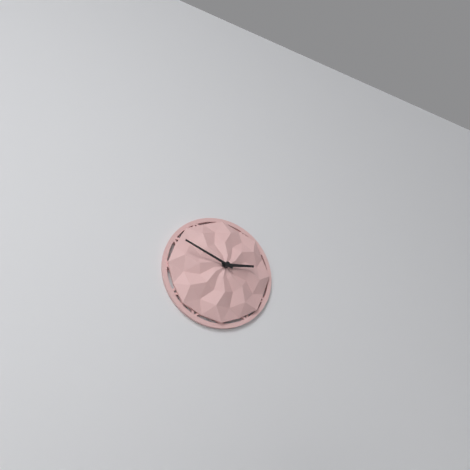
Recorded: h=2 m=49
